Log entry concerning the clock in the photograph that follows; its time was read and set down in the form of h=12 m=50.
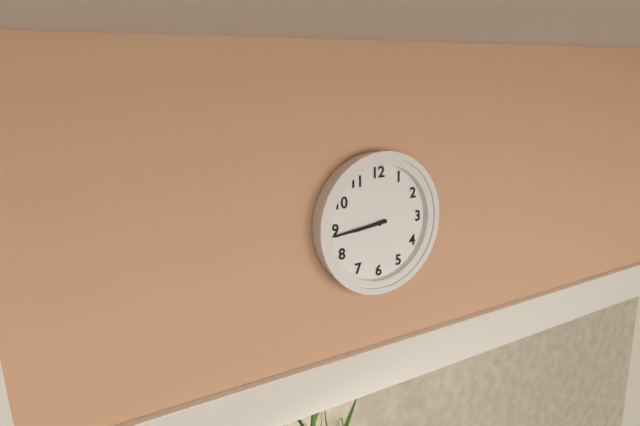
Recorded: h=8 m=44
